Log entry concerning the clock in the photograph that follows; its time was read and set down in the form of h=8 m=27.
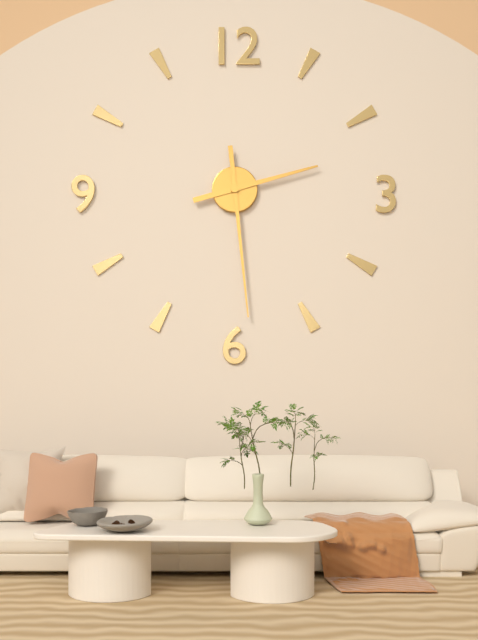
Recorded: h=2 m=29
